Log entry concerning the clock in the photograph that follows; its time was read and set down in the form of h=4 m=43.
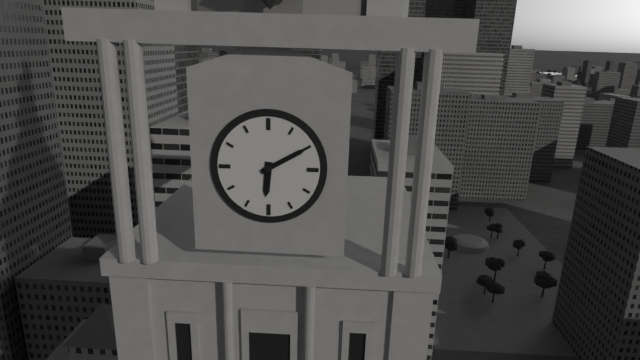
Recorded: h=6 m=10
